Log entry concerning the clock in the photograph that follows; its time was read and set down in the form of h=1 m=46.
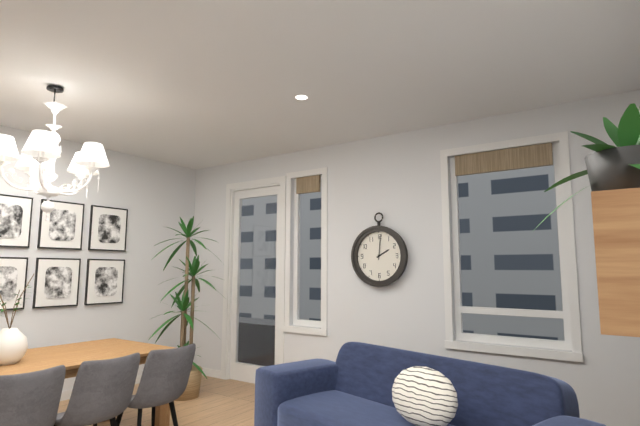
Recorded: h=2 m=1
